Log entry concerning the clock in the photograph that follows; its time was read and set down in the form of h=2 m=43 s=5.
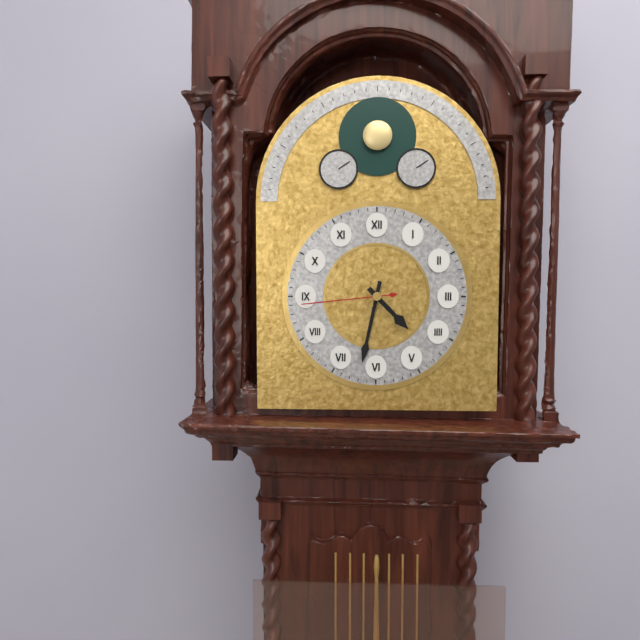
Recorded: h=4 m=32 s=44
